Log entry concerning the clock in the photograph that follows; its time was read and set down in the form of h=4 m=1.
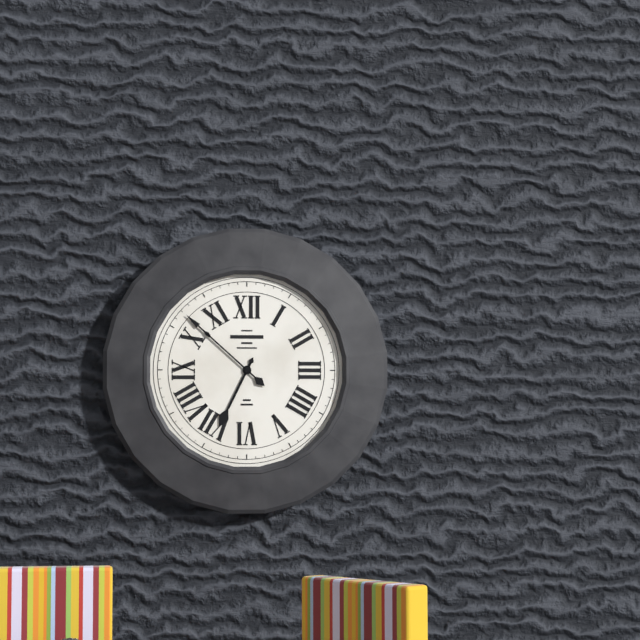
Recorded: h=6 m=52
